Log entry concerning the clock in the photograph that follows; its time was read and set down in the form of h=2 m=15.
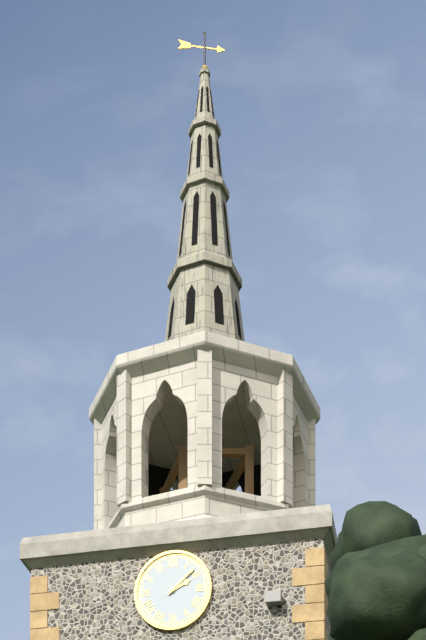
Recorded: h=2 m=8
